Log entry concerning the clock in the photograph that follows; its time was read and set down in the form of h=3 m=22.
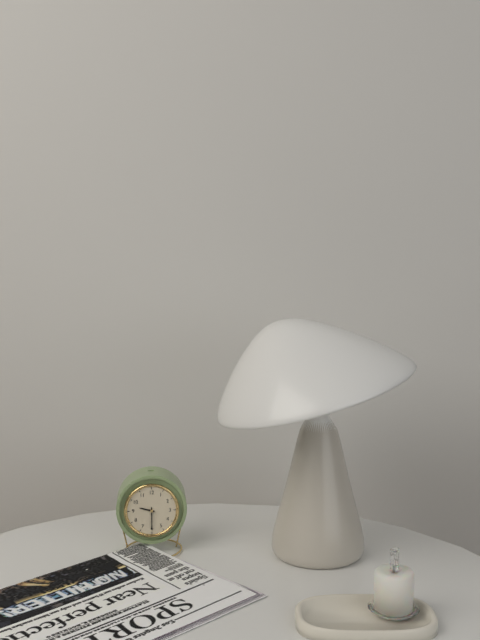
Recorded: h=9 m=30
